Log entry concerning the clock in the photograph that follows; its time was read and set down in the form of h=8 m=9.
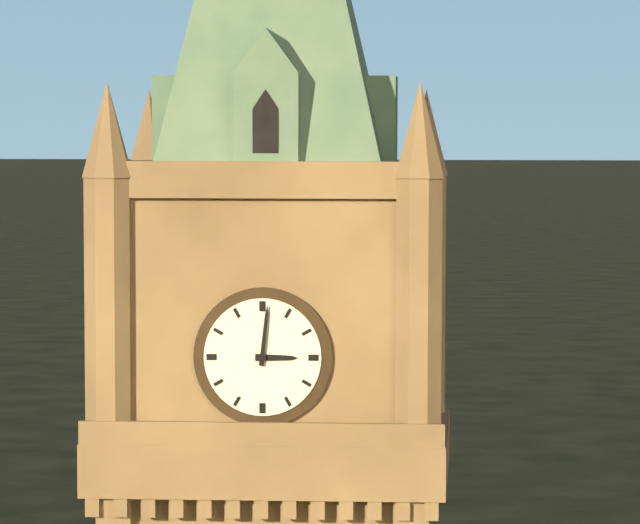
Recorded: h=3 m=1
